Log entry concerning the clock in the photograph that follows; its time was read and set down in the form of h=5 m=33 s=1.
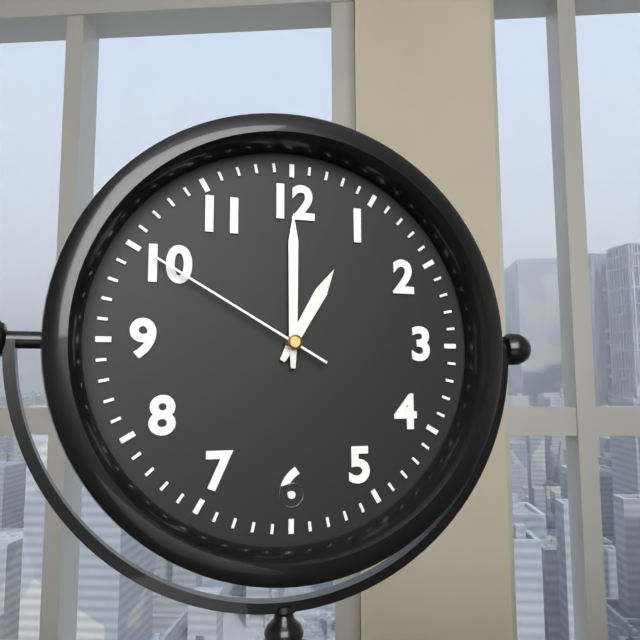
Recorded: h=1 m=0 s=50
